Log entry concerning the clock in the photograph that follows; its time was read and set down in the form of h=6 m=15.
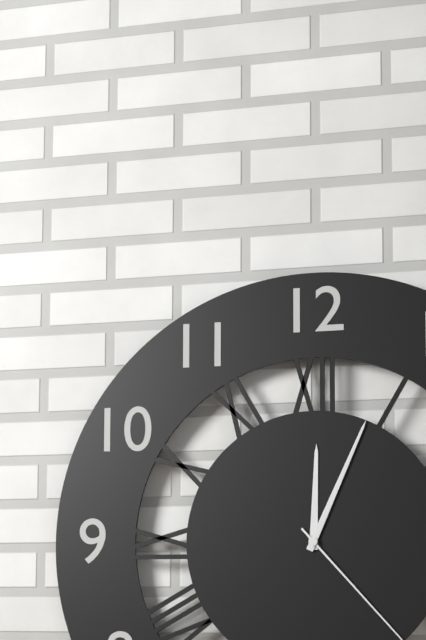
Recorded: h=12 m=4
